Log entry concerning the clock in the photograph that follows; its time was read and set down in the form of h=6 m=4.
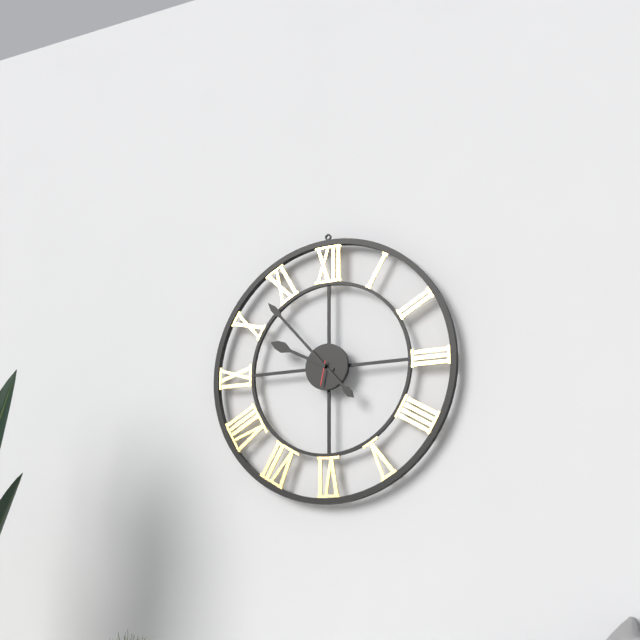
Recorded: h=9 m=53
